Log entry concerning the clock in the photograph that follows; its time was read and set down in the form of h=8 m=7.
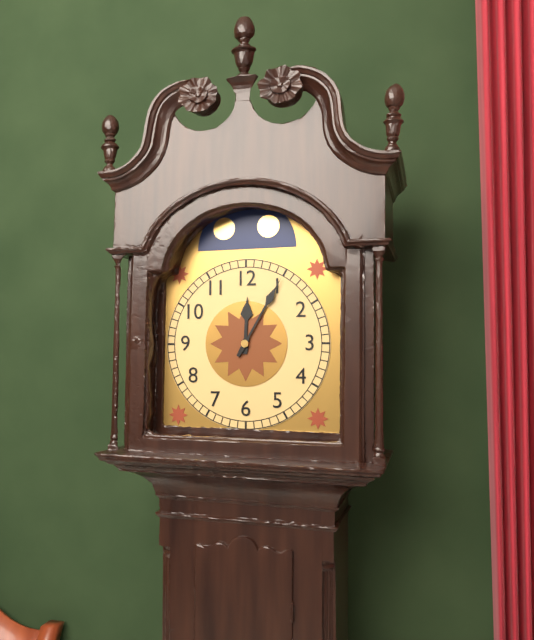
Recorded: h=12 m=5
